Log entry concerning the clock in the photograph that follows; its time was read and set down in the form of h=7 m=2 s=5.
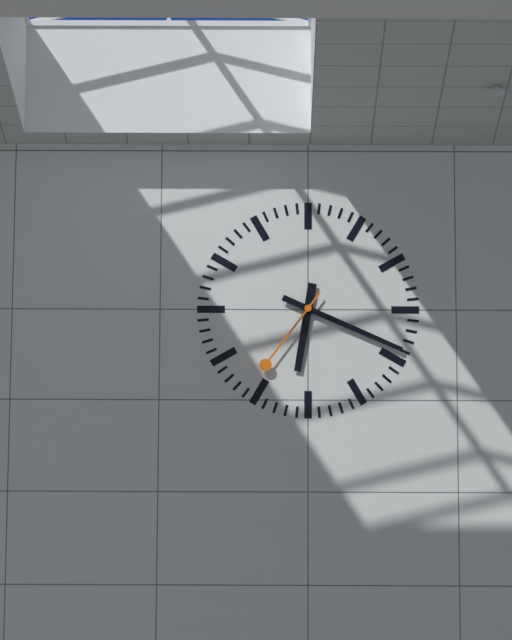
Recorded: h=6 m=19 s=36
